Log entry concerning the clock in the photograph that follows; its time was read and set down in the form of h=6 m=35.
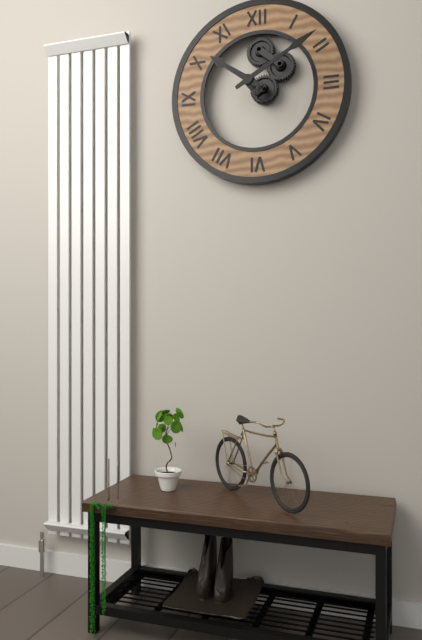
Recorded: h=10 m=10
